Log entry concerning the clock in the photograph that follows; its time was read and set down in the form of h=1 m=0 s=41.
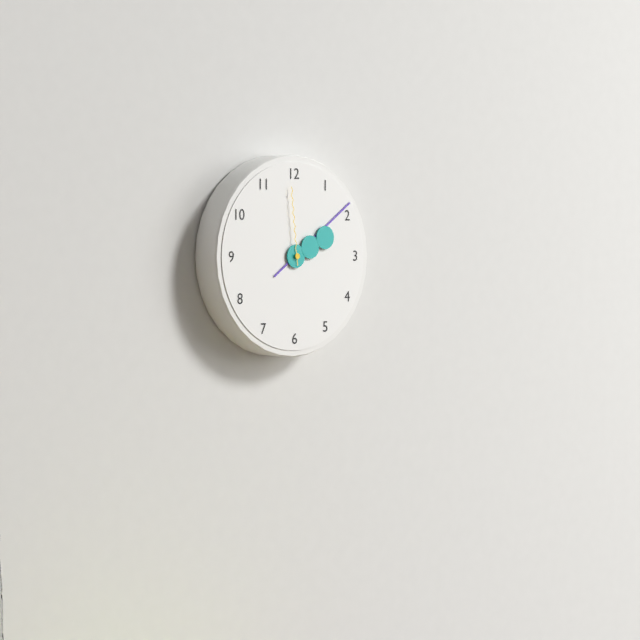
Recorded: h=2 m=9 s=59
